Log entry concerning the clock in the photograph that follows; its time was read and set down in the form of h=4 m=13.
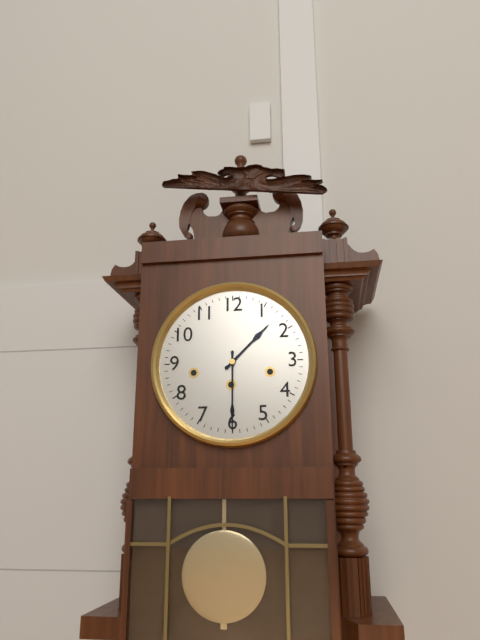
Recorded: h=1 m=30
